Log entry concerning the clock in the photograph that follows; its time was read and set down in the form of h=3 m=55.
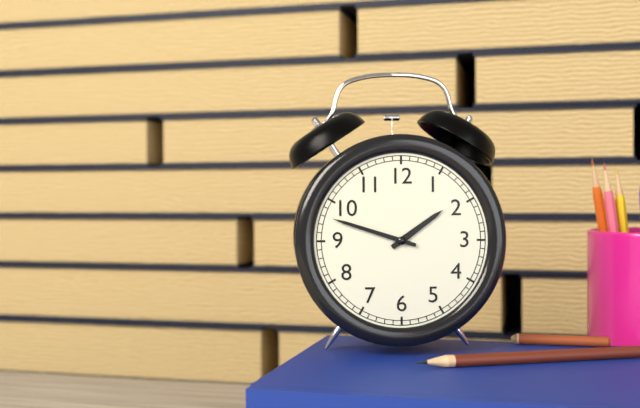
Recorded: h=1 m=48
